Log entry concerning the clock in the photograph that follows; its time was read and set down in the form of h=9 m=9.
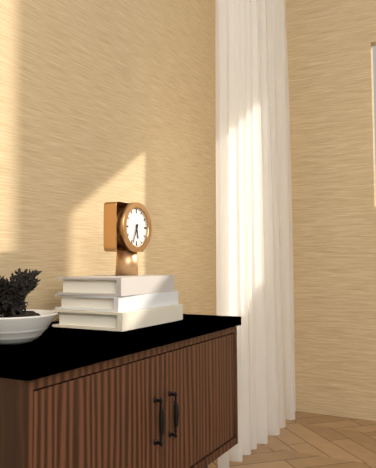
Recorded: h=5 m=34
